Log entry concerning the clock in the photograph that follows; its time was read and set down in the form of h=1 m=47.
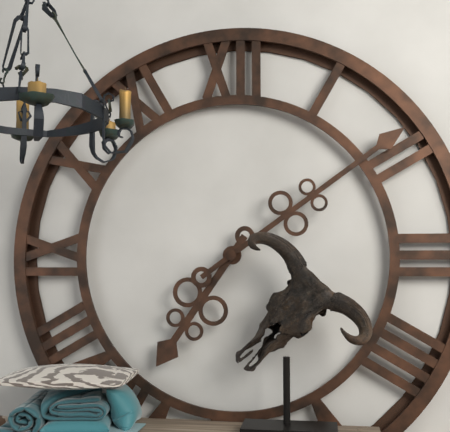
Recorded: h=7 m=9
